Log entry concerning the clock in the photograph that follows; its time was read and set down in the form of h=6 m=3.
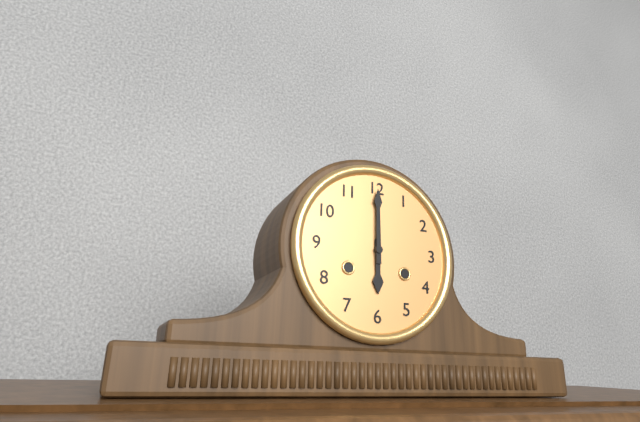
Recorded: h=6 m=0
